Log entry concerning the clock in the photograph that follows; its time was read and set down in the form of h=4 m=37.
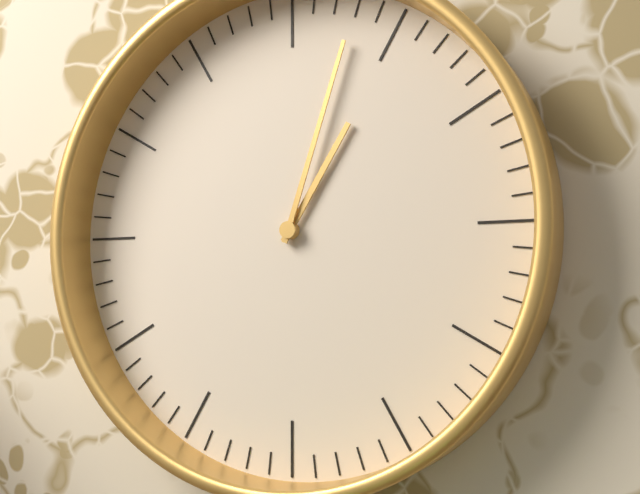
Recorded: h=1 m=3
